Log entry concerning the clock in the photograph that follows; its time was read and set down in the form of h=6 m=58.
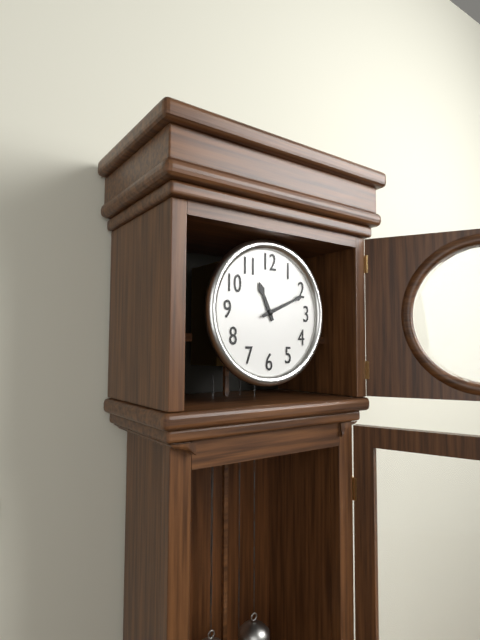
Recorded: h=11 m=11
